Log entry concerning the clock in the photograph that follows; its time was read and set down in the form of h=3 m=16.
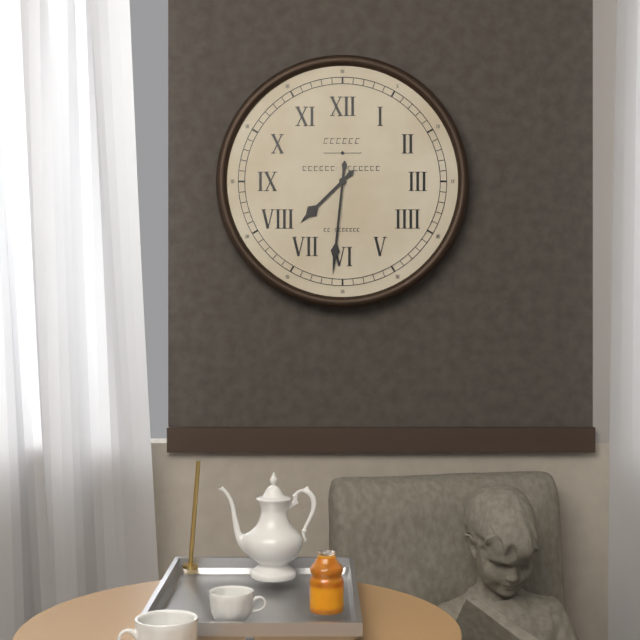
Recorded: h=7 m=31
